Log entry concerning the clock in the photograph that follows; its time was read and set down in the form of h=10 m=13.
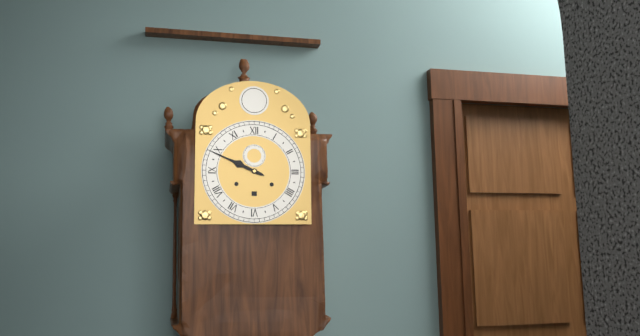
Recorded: h=9 m=49
